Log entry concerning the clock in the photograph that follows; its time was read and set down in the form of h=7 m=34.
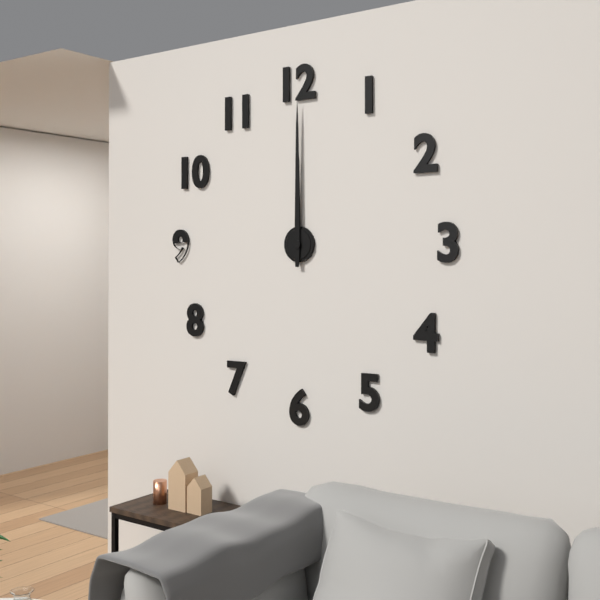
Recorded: h=12 m=0
